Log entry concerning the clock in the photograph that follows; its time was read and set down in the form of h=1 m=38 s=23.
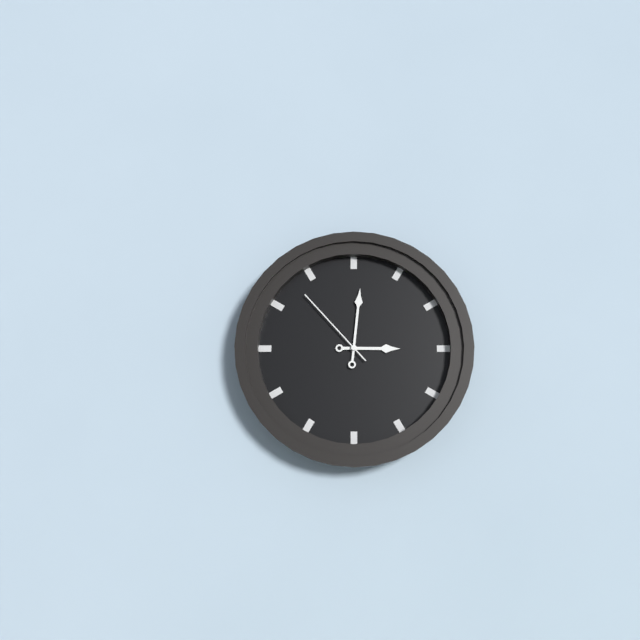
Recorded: h=3 m=1 s=53
